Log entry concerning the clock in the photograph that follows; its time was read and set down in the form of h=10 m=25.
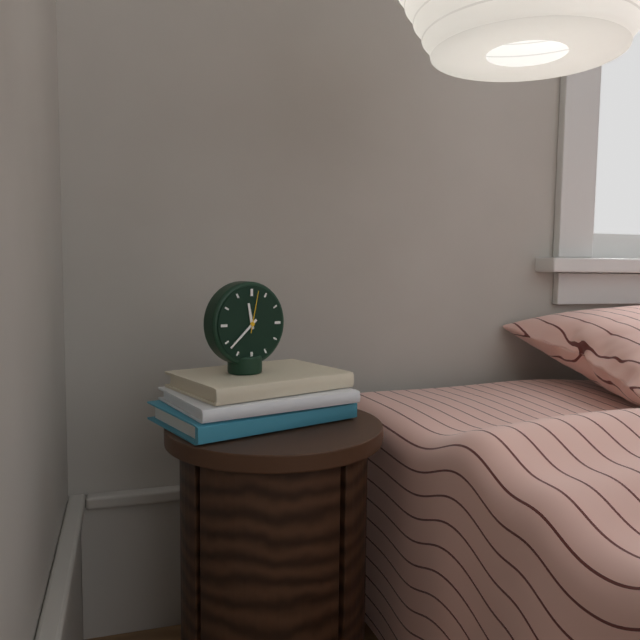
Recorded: h=11 m=38
